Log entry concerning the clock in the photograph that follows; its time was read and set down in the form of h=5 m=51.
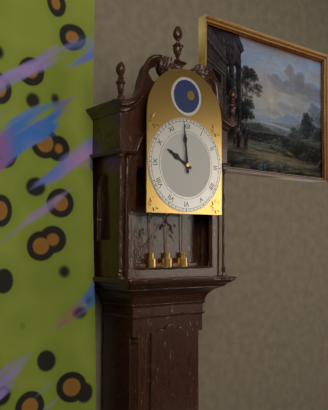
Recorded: h=9 m=59
